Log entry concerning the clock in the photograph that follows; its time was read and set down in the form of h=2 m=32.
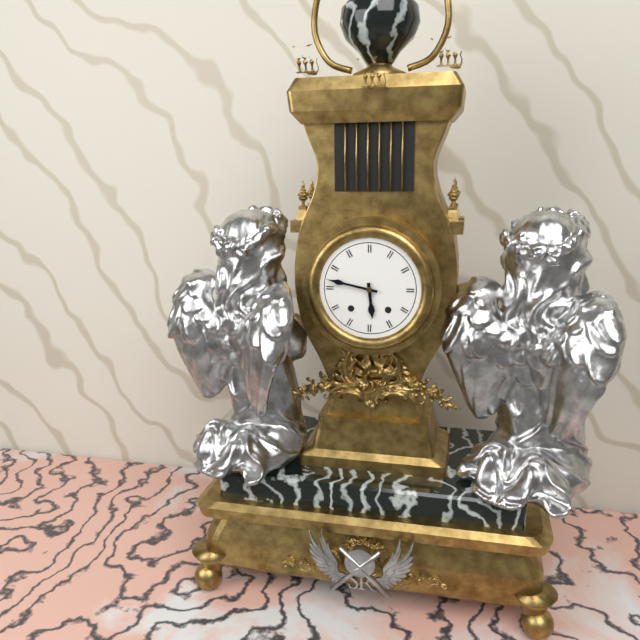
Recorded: h=5 m=47
